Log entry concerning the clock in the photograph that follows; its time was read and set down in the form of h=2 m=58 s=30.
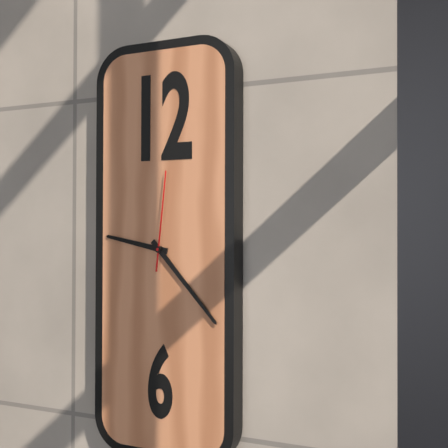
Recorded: h=9 m=23 s=1
